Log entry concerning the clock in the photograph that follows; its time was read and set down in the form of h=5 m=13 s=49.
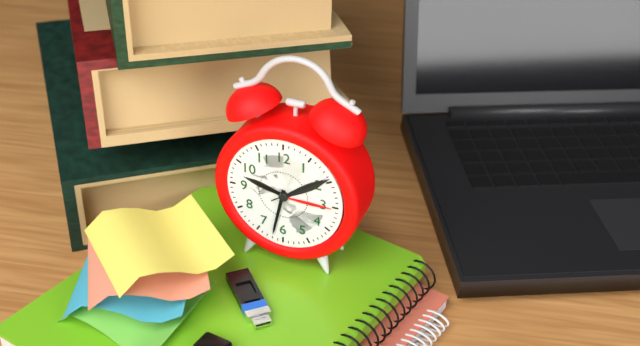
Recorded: h=9 m=32 s=9
